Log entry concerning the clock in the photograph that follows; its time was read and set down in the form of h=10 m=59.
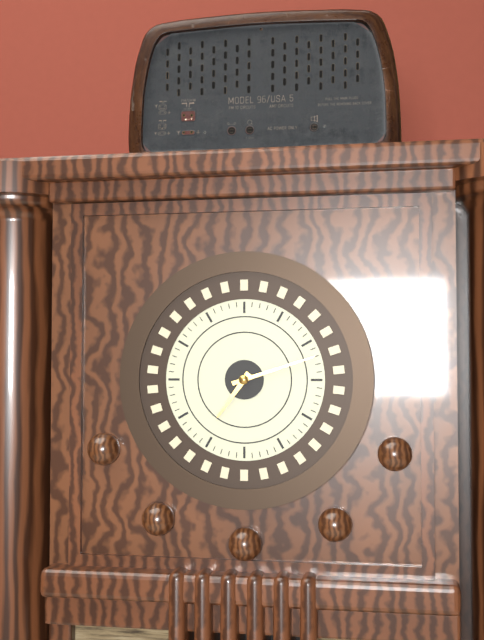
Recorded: h=7 m=12
